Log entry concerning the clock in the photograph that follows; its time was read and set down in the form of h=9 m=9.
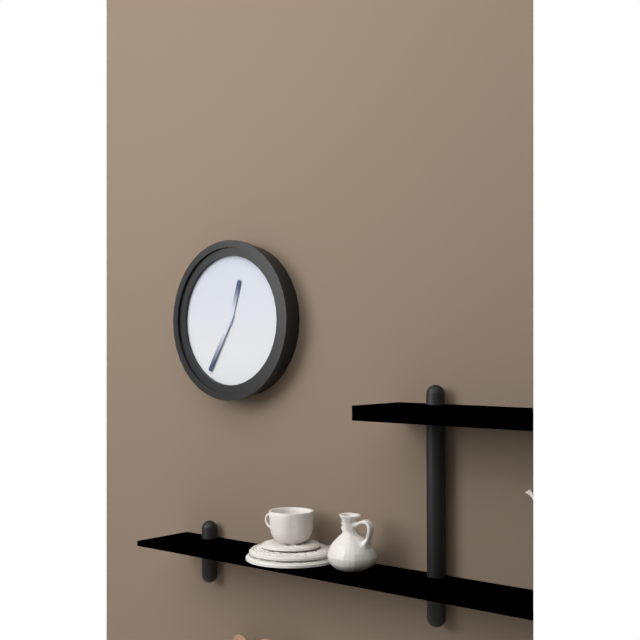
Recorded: h=12 m=35
